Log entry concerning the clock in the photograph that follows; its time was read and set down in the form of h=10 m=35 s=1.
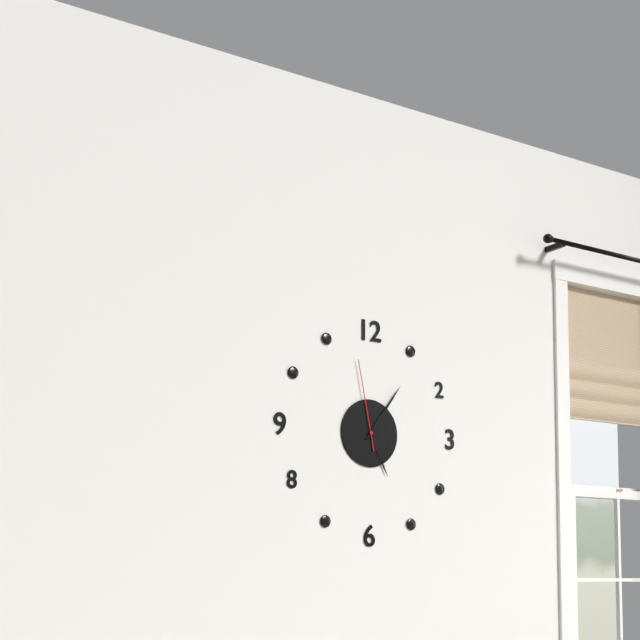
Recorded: h=5 m=6 s=58
